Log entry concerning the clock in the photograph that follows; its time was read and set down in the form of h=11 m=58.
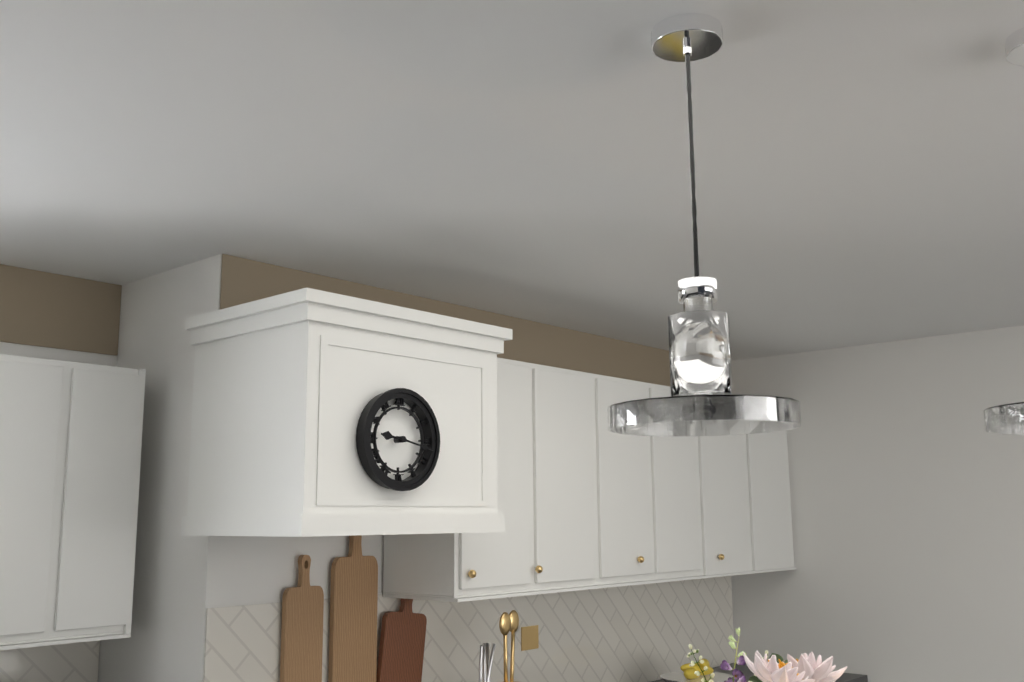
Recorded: h=9 m=17
